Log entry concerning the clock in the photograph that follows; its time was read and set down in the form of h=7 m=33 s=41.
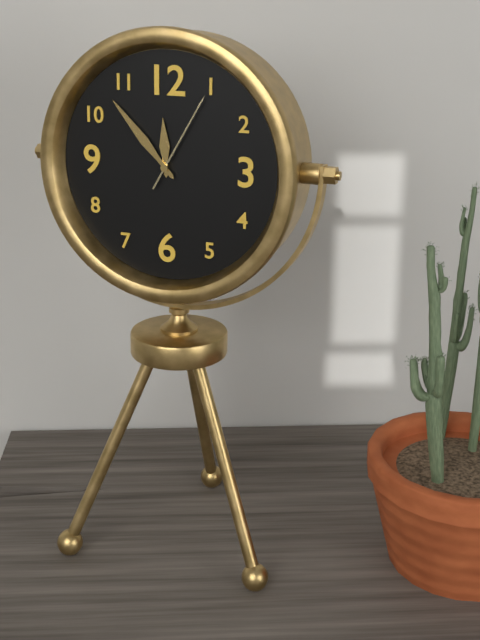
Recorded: h=11 m=53 s=5
